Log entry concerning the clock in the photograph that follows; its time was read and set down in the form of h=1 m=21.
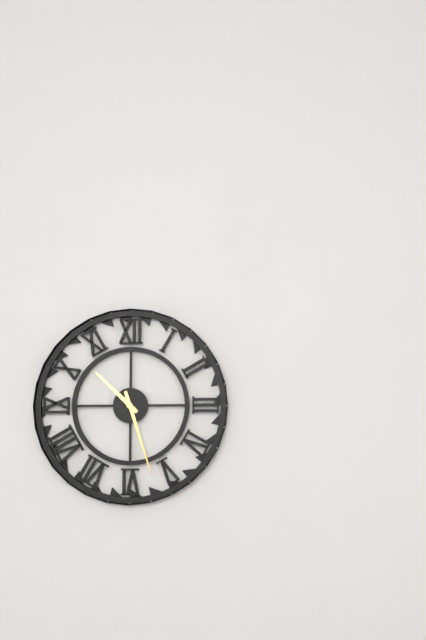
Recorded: h=10 m=27
